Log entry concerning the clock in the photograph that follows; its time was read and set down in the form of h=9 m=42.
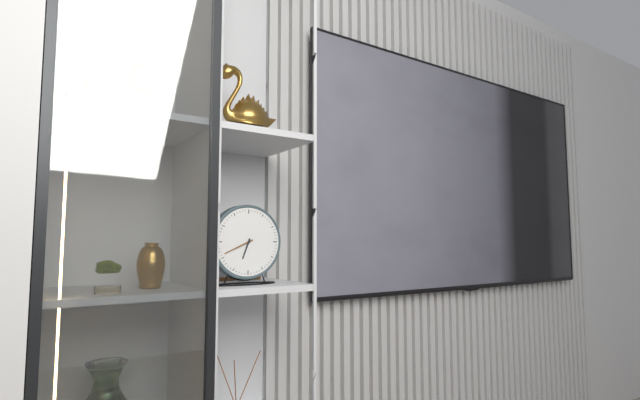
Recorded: h=6 m=41
